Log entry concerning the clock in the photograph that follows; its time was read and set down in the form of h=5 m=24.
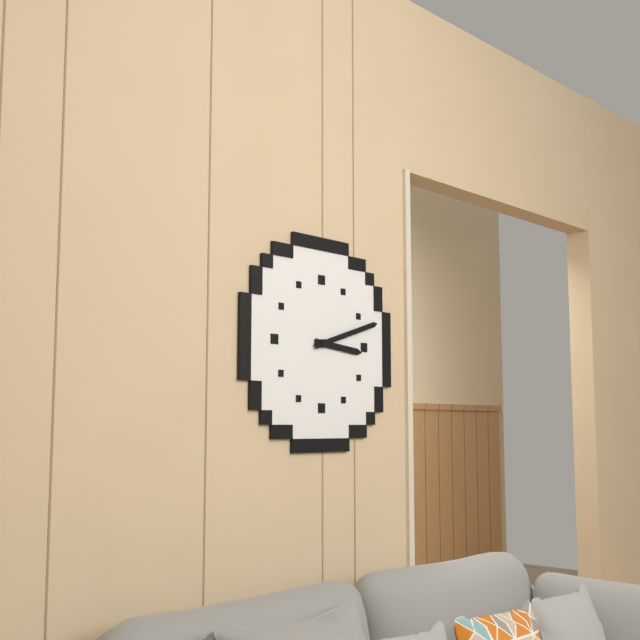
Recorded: h=3 m=12
